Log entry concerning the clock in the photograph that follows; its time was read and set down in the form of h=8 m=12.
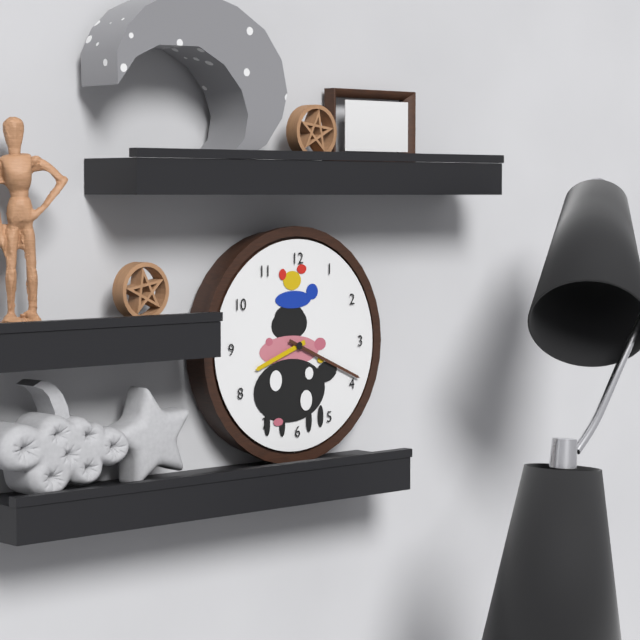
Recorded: h=8 m=19
